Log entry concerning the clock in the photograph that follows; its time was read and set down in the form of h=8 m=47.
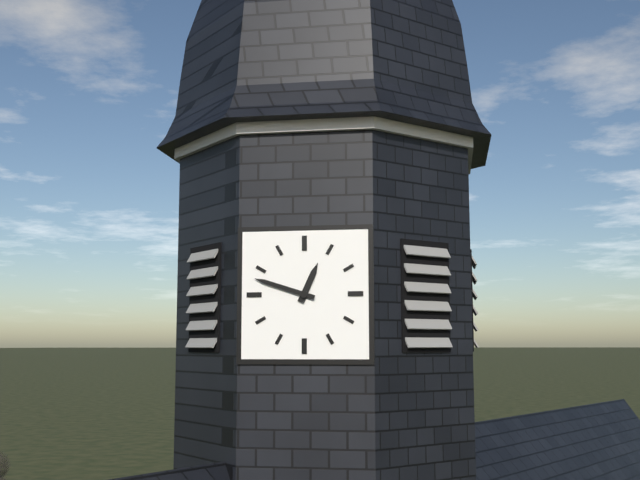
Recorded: h=12 m=48
